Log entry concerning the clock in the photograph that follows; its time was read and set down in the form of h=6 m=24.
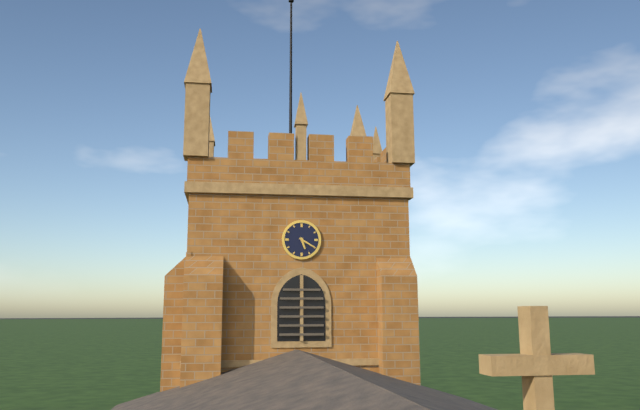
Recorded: h=5 m=20
